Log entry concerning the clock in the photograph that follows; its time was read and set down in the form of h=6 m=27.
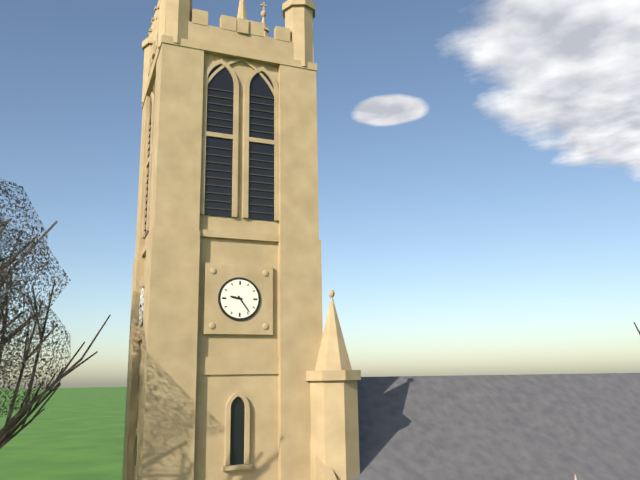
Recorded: h=9 m=24
